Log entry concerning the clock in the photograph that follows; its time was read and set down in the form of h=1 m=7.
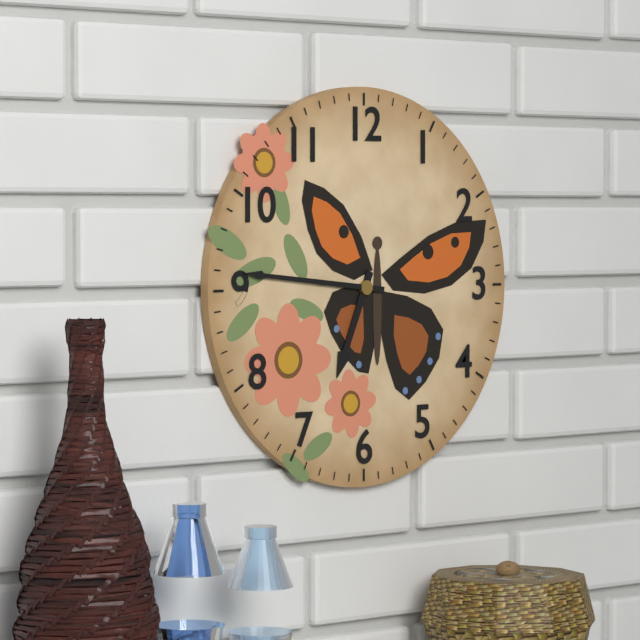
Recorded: h=6 m=46
